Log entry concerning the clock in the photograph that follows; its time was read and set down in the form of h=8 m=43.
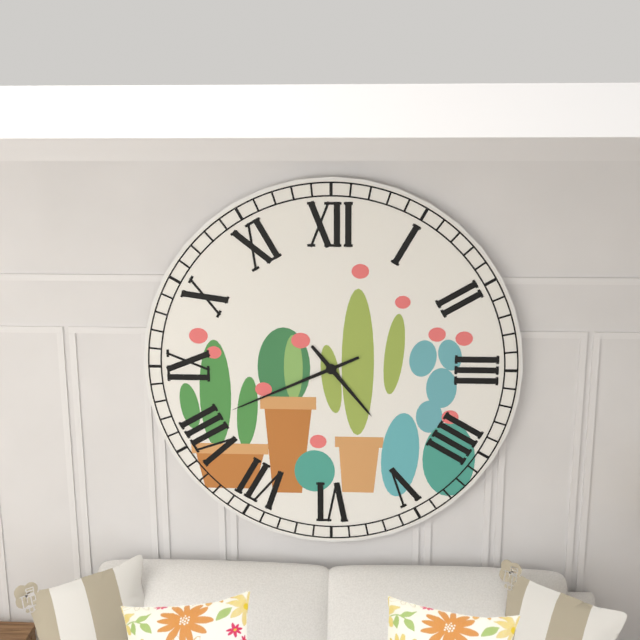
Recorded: h=4 m=41
